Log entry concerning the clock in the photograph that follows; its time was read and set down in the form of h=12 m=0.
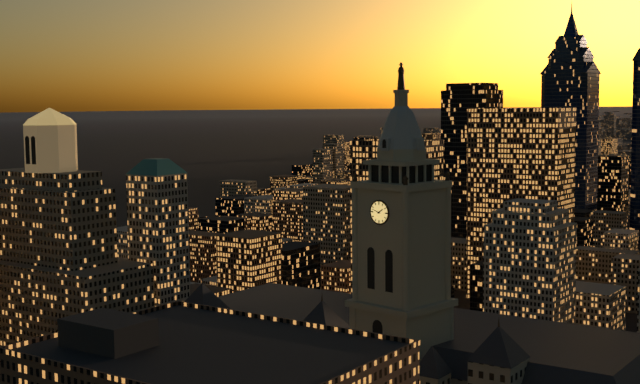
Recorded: h=1 m=48
